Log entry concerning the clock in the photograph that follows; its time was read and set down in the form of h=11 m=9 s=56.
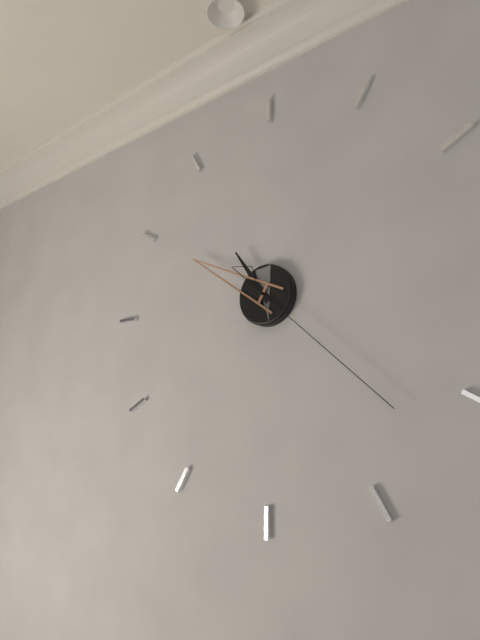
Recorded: h=10 m=50 s=22
